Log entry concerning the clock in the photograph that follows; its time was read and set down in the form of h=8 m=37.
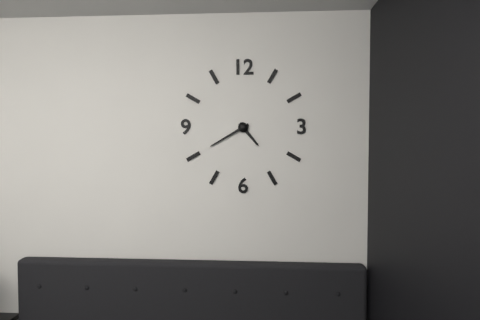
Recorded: h=4 m=40
